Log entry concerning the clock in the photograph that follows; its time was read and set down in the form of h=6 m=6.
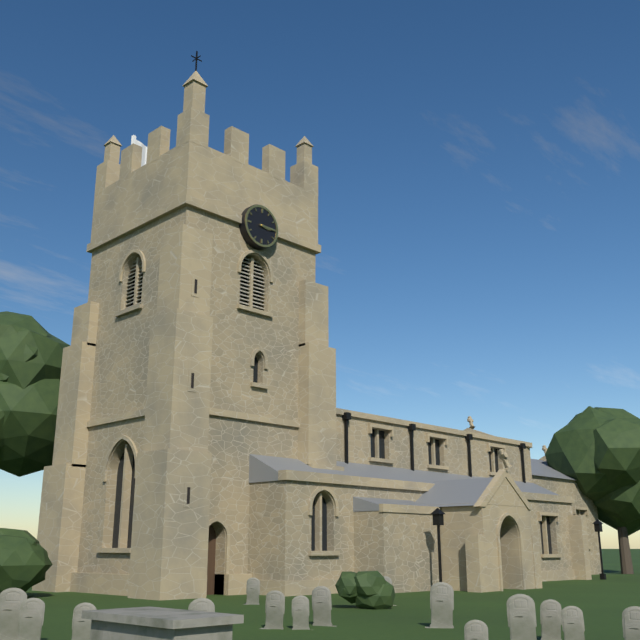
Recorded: h=3 m=15
